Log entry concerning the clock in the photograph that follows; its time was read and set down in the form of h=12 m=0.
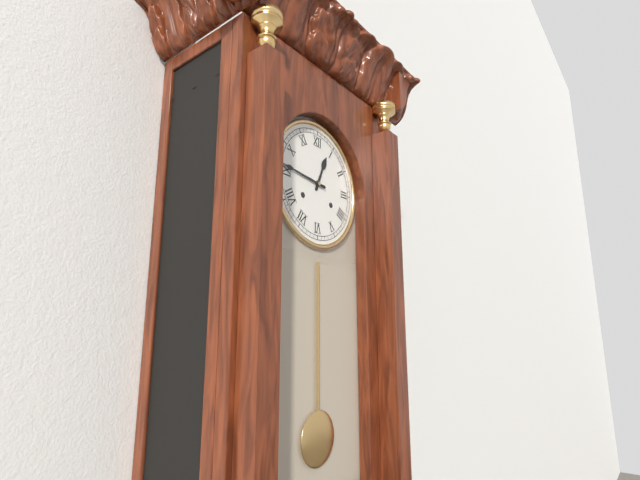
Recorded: h=12 m=46
